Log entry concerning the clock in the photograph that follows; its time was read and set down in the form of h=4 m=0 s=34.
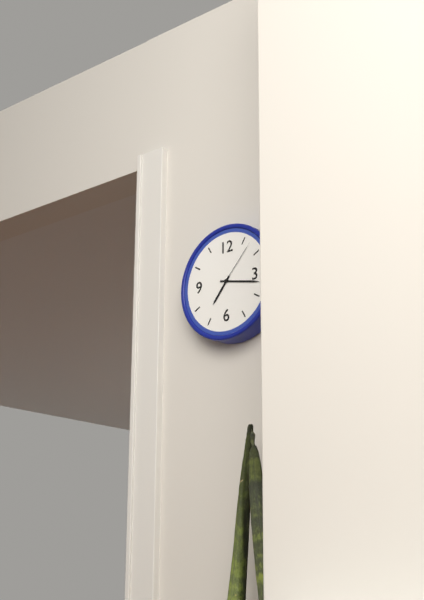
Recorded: h=7 m=17 s=7
